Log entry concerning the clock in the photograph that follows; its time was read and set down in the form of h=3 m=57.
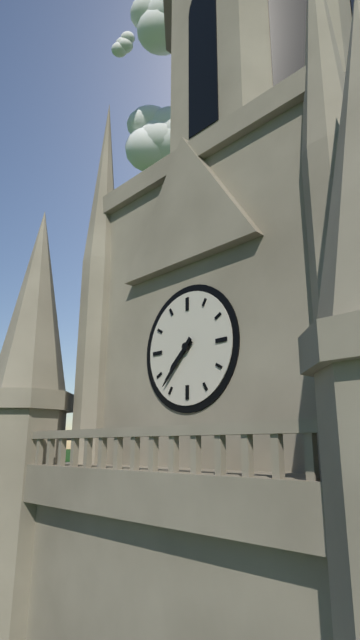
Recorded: h=7 m=37
